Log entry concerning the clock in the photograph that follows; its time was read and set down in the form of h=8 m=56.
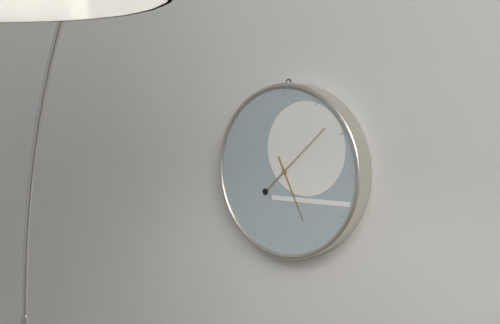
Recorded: h=5 m=8
